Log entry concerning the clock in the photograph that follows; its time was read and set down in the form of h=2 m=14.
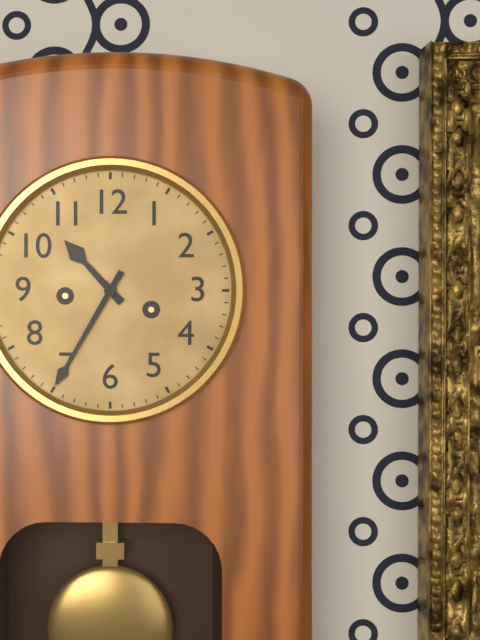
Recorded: h=10 m=35
